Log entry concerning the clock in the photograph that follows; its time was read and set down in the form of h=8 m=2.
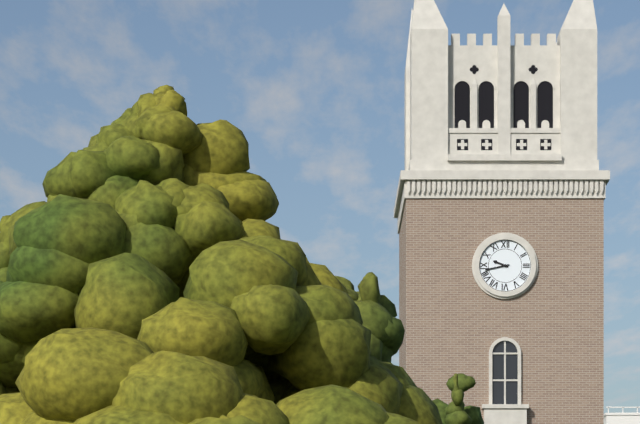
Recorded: h=9 m=43
